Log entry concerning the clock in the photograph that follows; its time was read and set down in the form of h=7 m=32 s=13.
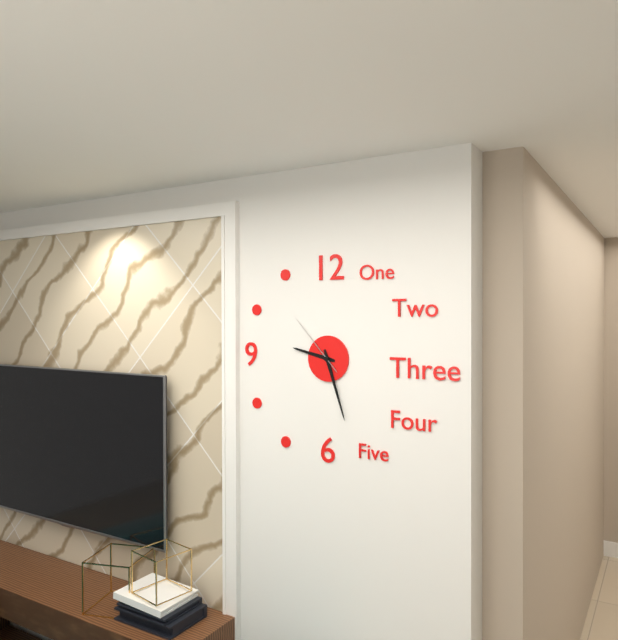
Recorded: h=9 m=27 s=53
